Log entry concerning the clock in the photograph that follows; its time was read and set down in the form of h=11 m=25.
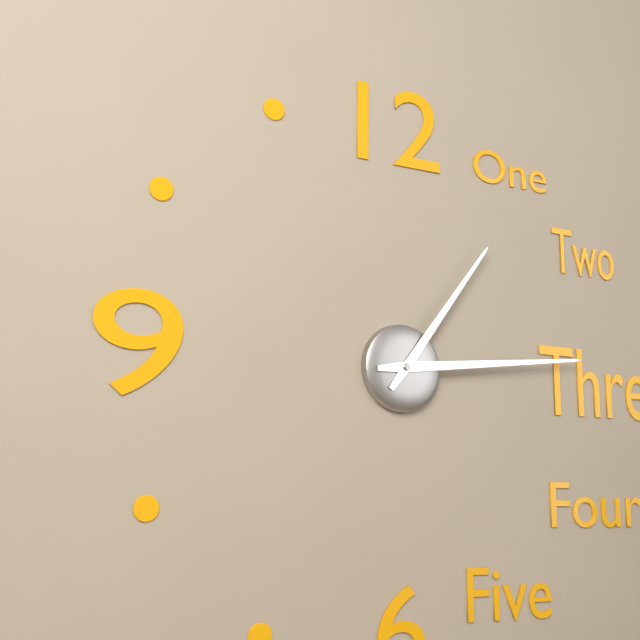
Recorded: h=1 m=14
